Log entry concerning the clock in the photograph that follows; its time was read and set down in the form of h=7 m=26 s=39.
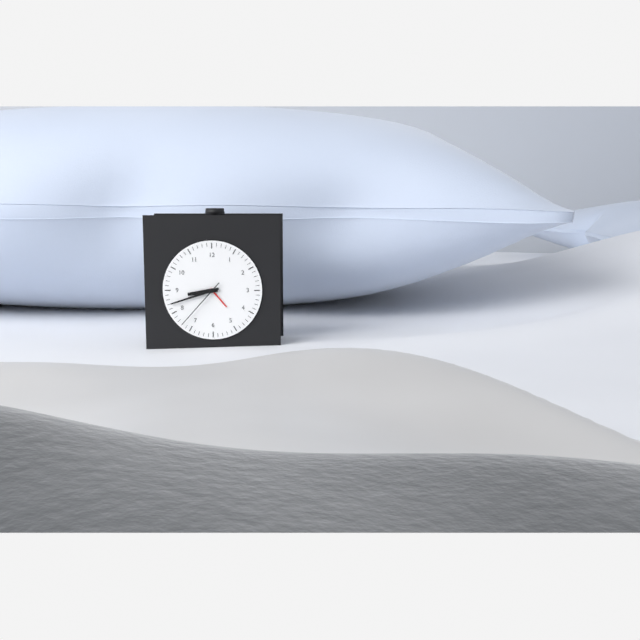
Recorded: h=8 m=42 s=37
